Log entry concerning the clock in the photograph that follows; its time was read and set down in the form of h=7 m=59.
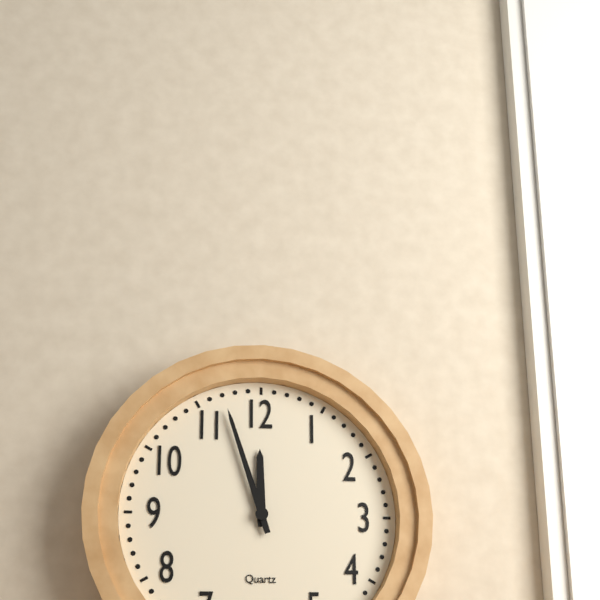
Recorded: h=11 m=57
